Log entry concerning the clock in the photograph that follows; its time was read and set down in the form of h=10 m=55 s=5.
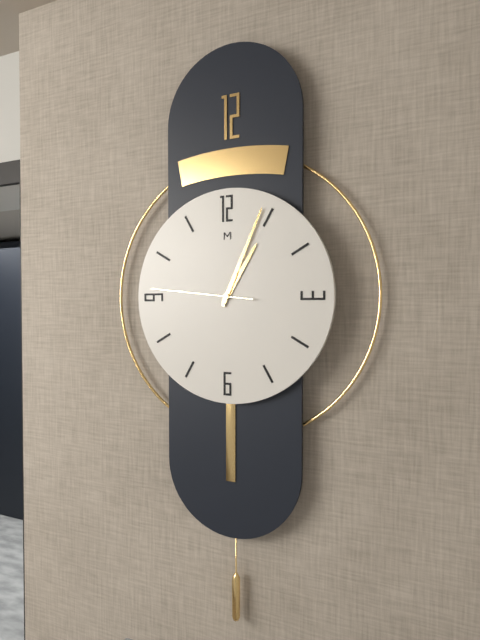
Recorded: h=1 m=4 s=46
